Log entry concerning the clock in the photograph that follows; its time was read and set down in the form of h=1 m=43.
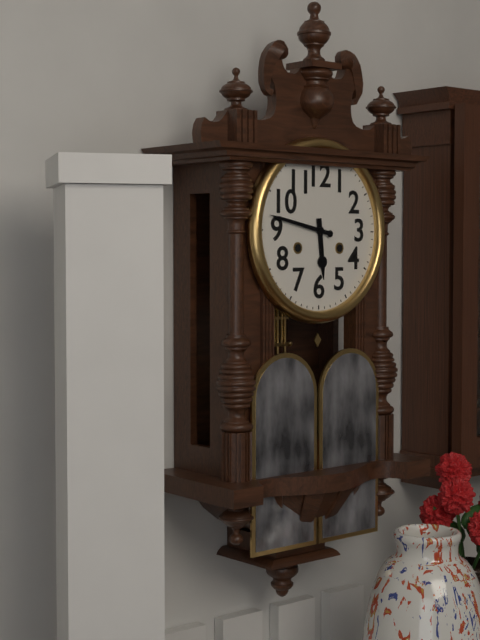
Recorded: h=5 m=47
